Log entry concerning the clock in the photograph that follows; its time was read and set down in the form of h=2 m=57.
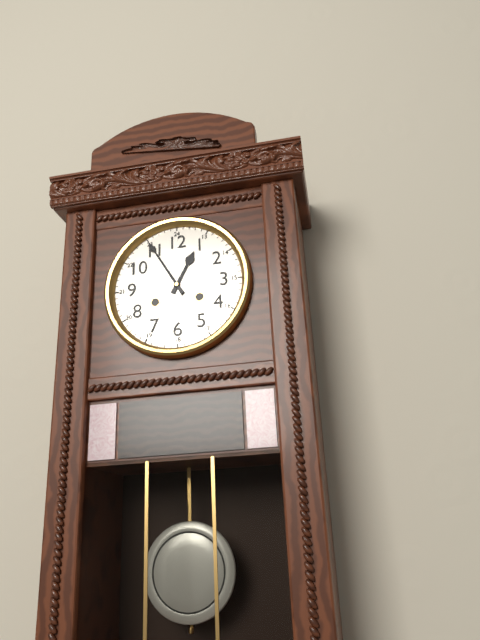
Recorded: h=12 m=55
